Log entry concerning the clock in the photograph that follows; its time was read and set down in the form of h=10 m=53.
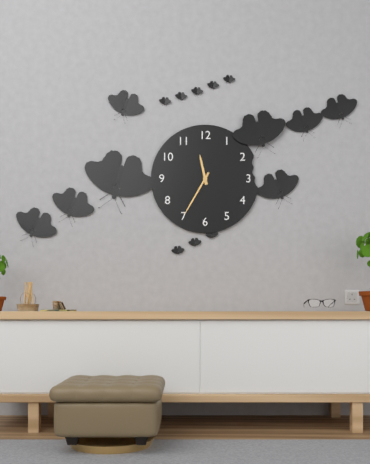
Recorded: h=11 m=35
